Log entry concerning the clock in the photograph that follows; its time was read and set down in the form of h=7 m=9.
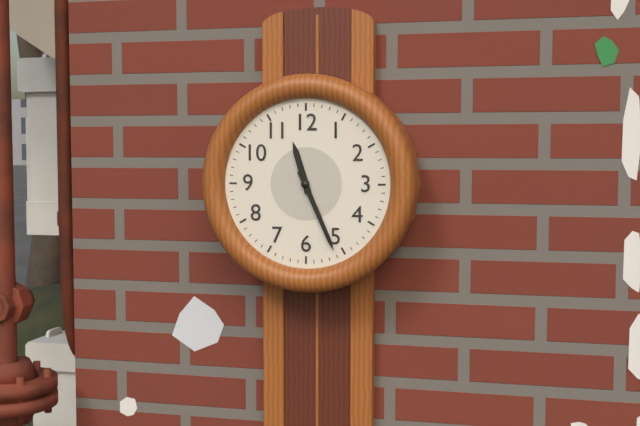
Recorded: h=11 m=26
